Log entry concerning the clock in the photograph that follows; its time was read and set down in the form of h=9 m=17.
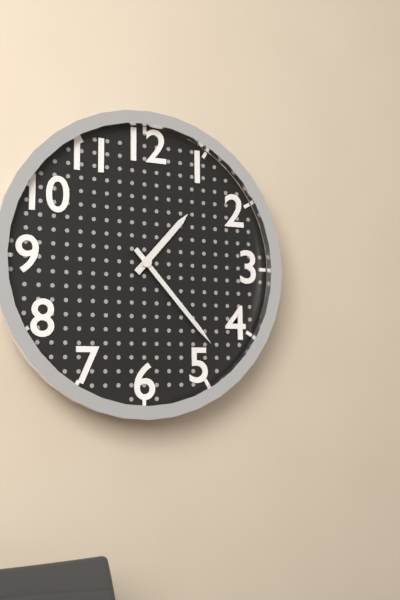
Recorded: h=1 m=23
